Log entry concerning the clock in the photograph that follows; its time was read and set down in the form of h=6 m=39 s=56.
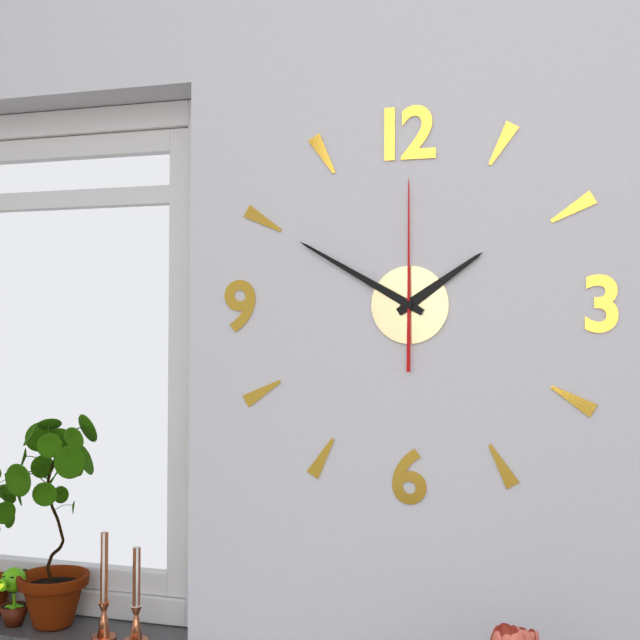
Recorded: h=1 m=50 s=0
